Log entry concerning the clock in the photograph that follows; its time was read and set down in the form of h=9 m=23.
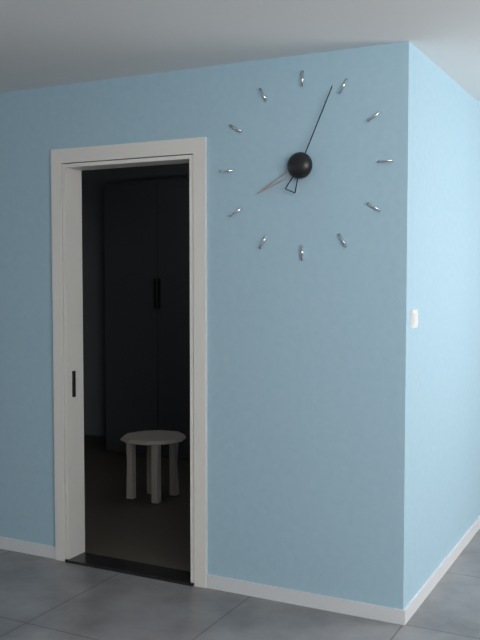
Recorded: h=8 m=4
